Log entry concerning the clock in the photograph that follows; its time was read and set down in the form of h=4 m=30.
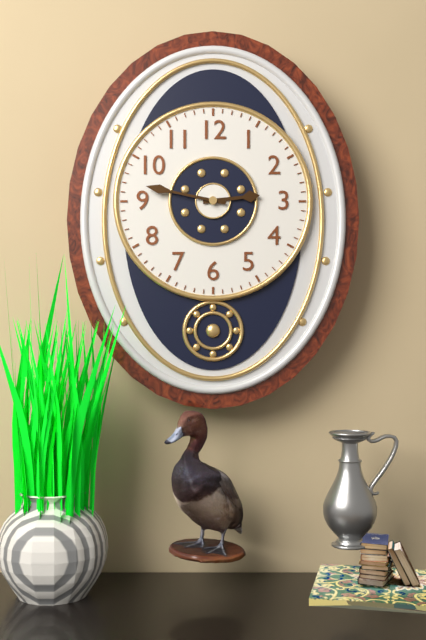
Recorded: h=2 m=47
